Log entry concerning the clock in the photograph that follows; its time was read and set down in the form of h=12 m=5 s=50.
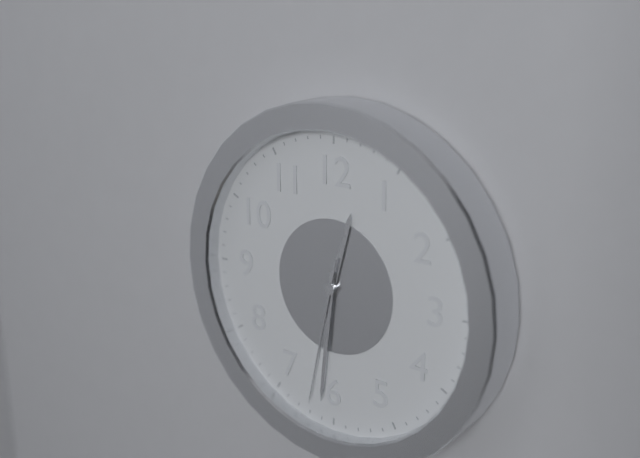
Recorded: h=12 m=31 s=32
